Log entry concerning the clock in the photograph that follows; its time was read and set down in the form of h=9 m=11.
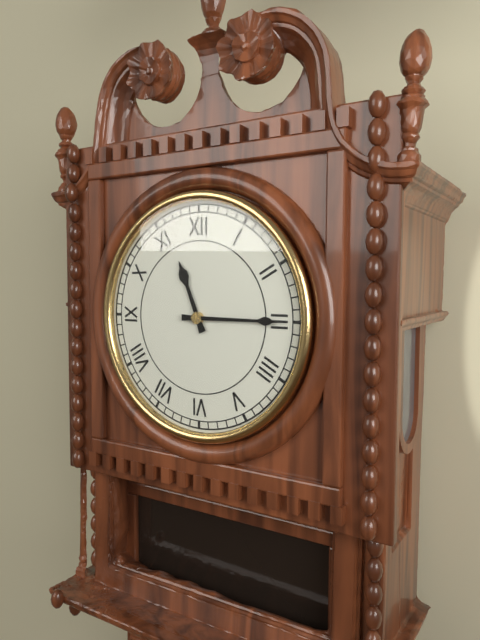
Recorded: h=11 m=15
